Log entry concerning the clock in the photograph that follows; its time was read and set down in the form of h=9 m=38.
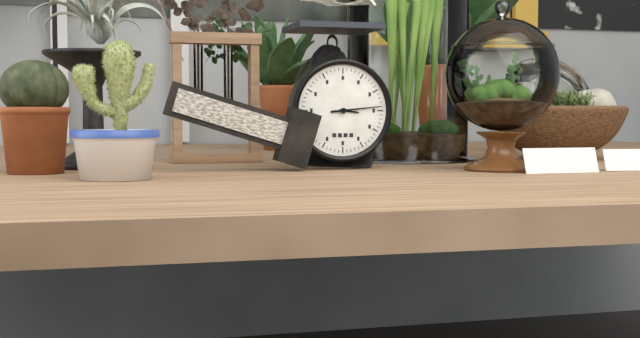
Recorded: h=3 m=14
